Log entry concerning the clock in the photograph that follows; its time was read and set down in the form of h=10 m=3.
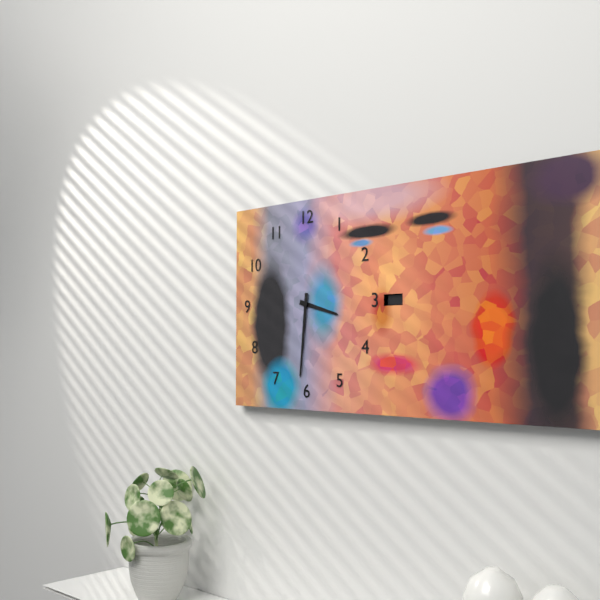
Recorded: h=3 m=31
